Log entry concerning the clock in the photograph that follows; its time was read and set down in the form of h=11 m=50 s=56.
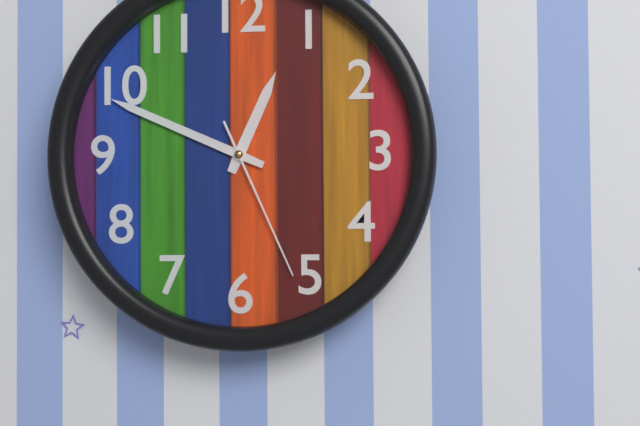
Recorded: h=12 m=49 s=26
